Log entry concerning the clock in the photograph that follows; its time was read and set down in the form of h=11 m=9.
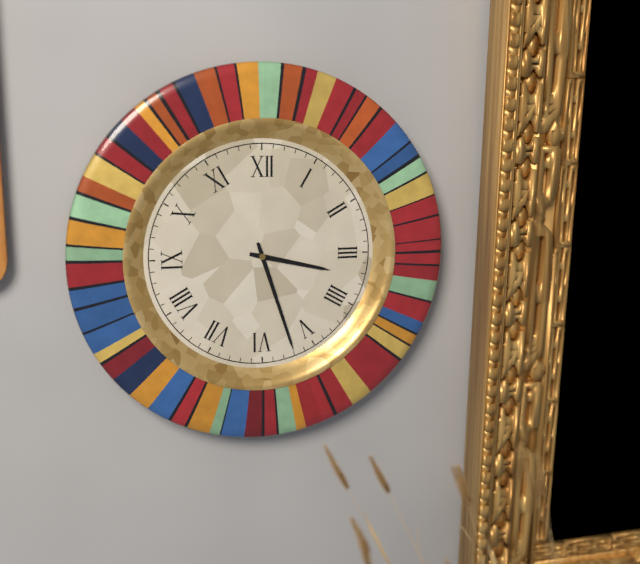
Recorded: h=3 m=27
